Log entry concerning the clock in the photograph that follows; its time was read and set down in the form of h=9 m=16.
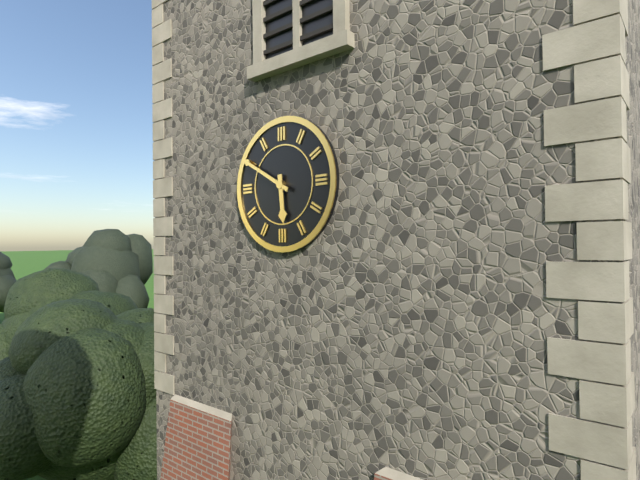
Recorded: h=5 m=50
